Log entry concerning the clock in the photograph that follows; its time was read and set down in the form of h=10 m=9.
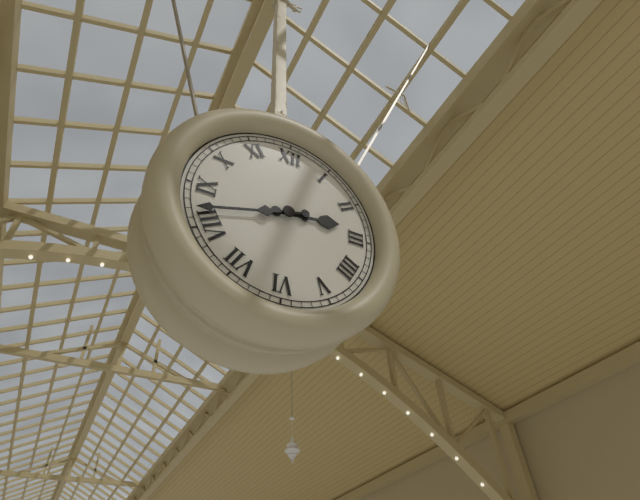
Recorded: h=2 m=42
